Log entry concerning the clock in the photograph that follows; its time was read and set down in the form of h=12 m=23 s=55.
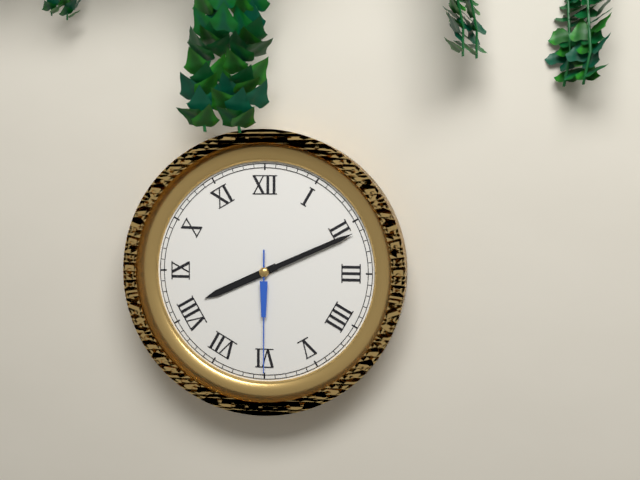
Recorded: h=8 m=11 s=30
